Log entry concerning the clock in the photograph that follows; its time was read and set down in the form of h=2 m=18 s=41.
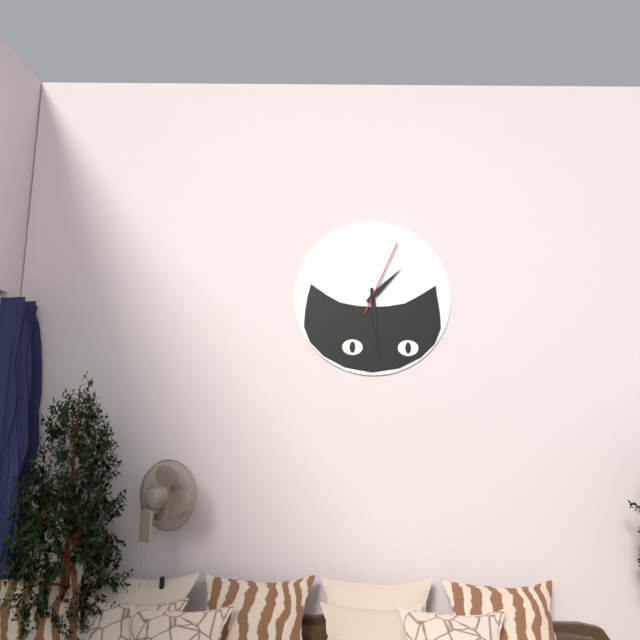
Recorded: h=1 m=29 s=4
